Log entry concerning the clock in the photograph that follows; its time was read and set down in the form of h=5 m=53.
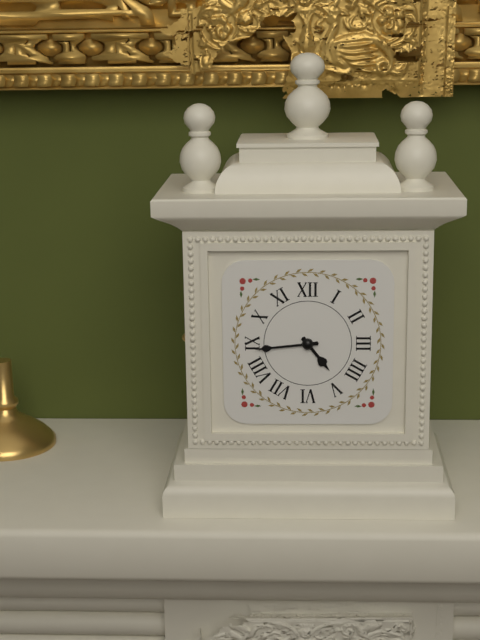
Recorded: h=4 m=44
